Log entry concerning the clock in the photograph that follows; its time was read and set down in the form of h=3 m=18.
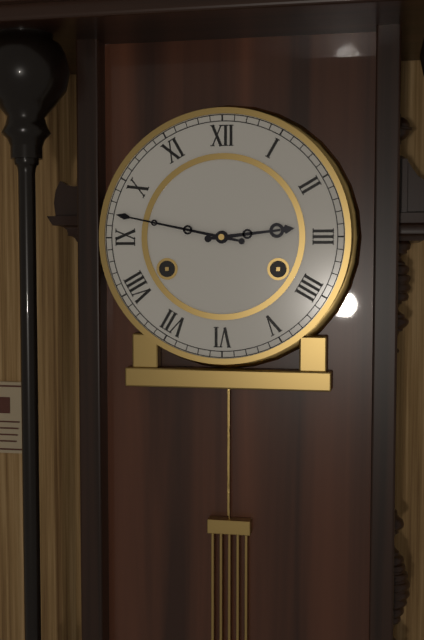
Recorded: h=2 m=47
